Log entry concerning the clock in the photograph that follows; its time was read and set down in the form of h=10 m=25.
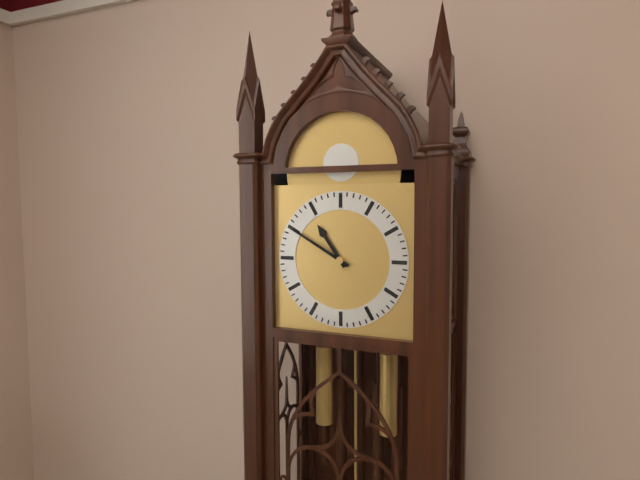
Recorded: h=10 m=50
